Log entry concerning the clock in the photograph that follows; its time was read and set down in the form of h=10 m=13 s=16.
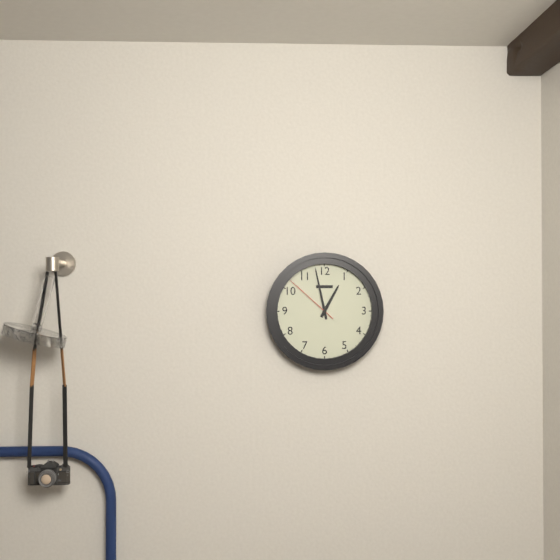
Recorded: h=12 m=58 s=52
